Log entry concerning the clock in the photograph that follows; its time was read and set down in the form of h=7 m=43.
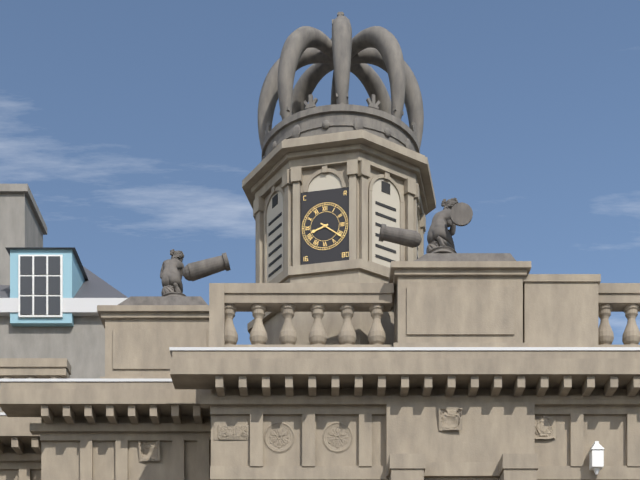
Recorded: h=8 m=21
